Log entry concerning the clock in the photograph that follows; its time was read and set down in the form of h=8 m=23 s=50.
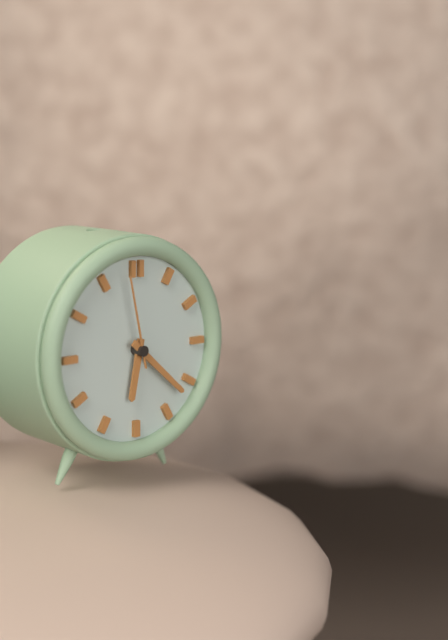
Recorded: h=6 m=22 s=58
